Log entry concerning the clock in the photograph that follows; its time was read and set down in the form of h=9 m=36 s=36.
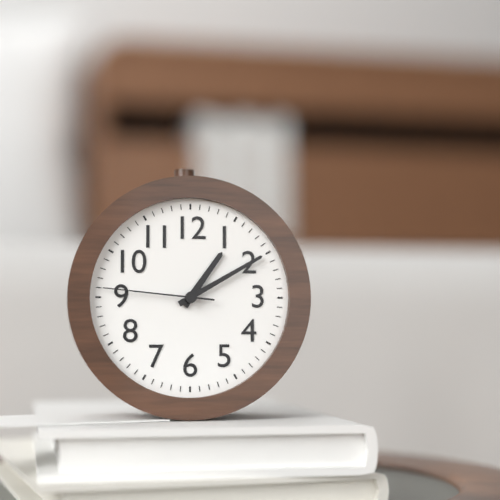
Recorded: h=1 m=10 s=46
